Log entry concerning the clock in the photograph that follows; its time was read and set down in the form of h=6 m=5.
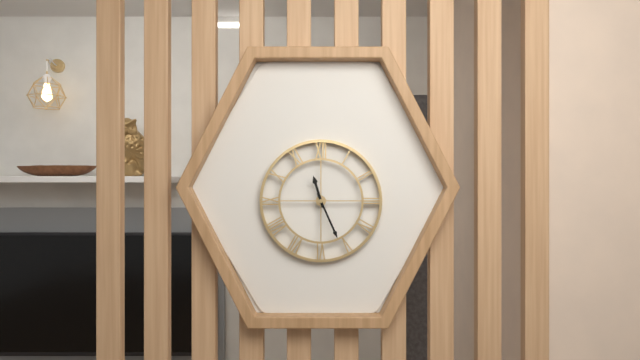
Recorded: h=11 m=26
